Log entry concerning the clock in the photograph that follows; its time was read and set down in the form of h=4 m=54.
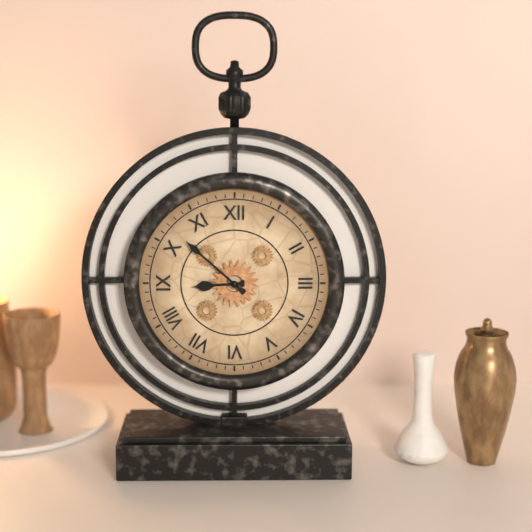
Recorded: h=8 m=52
